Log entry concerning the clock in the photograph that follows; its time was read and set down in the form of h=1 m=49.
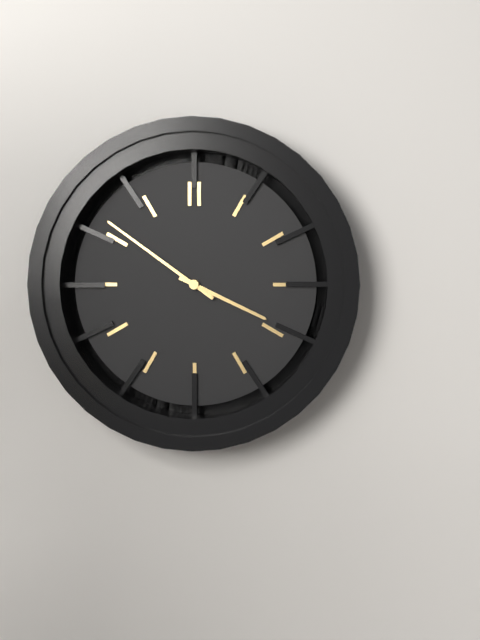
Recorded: h=3 m=51
